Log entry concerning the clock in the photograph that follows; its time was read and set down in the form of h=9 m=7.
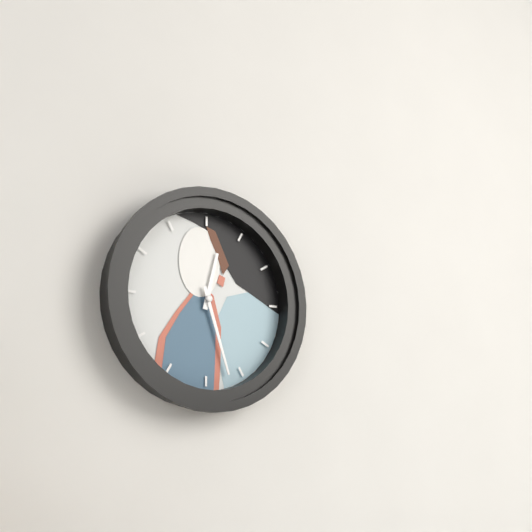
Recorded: h=12 m=27
